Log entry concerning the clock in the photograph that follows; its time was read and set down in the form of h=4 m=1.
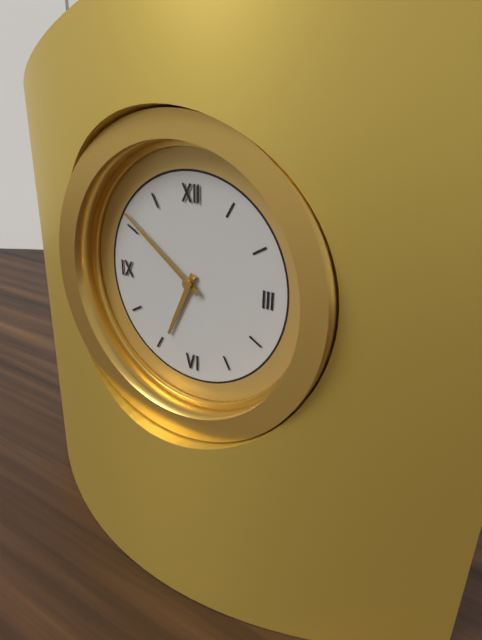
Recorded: h=6 m=51
